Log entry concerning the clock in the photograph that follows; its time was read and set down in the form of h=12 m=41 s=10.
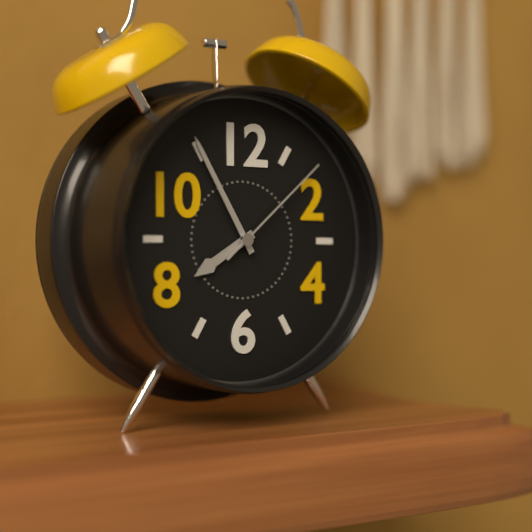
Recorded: h=7 m=55 s=8
